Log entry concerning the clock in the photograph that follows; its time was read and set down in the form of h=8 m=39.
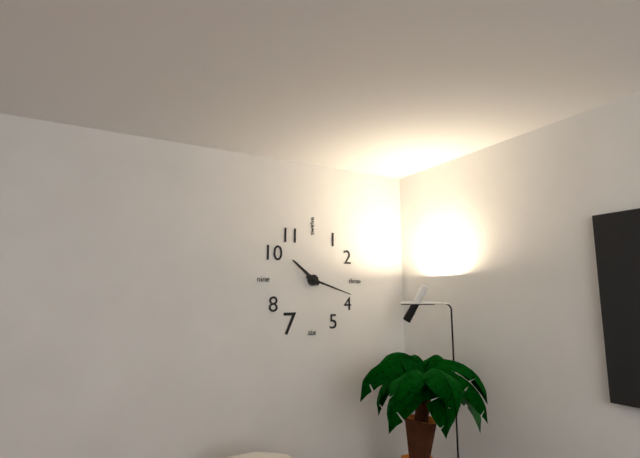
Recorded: h=10 m=18
